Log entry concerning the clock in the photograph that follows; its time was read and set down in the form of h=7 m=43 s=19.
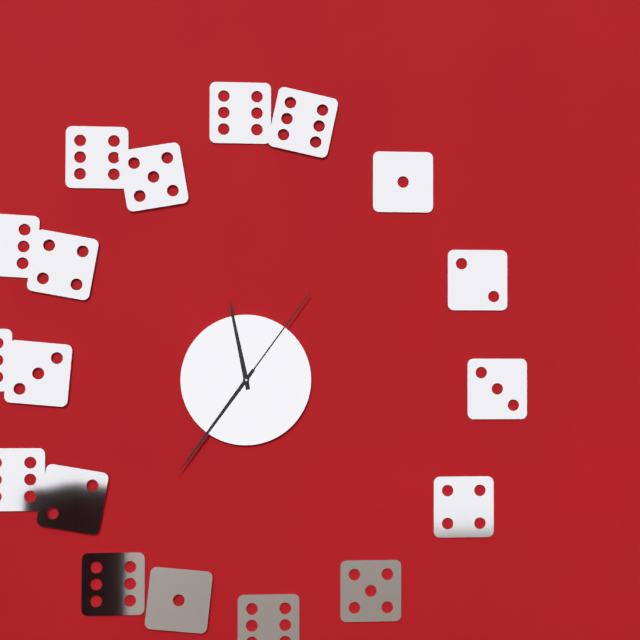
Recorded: h=11 m=36 s=6
